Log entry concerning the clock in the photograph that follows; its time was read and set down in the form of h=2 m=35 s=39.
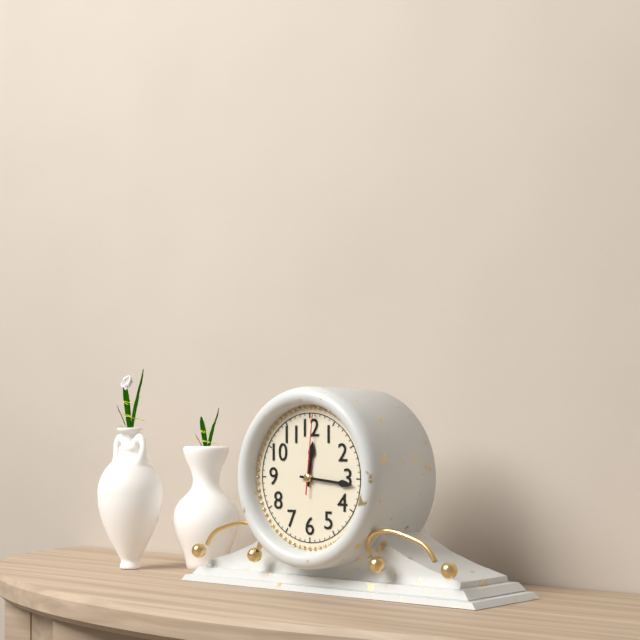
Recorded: h=12 m=16 s=1
